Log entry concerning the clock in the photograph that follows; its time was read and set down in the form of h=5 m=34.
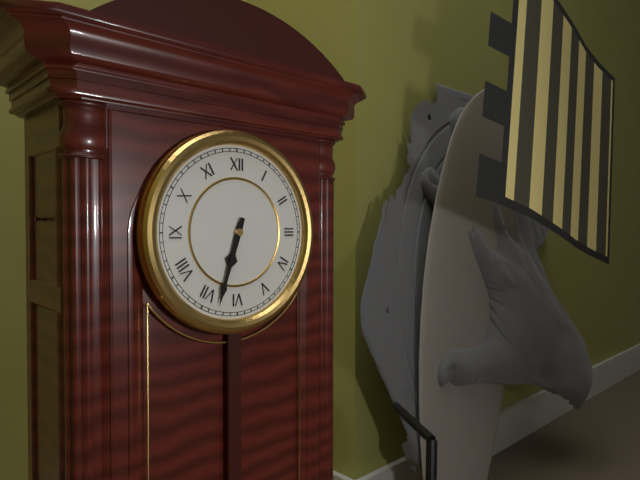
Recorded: h=6 m=33
